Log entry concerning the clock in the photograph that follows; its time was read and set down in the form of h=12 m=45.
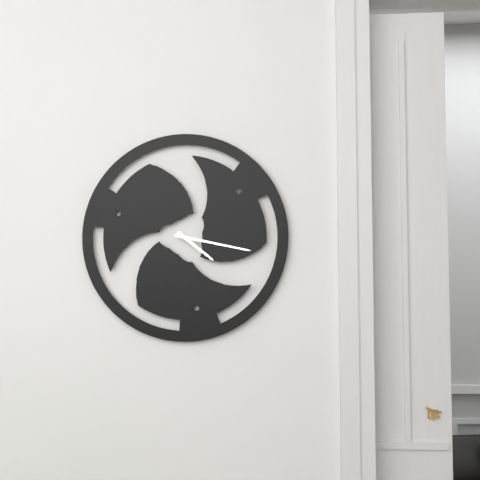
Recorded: h=4 m=17
